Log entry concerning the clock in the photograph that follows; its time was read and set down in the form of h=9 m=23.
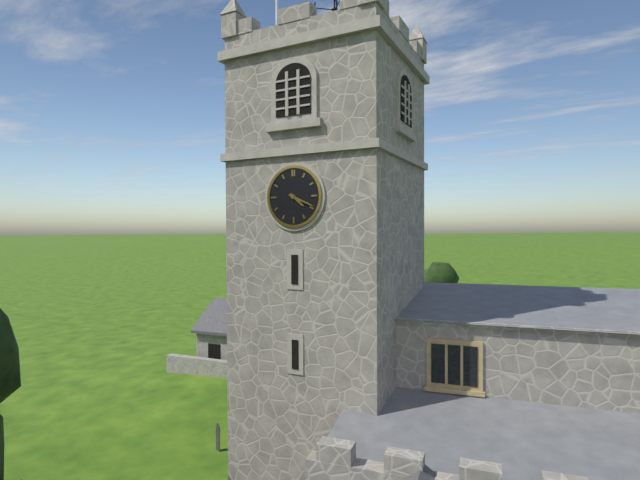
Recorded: h=4 m=19
